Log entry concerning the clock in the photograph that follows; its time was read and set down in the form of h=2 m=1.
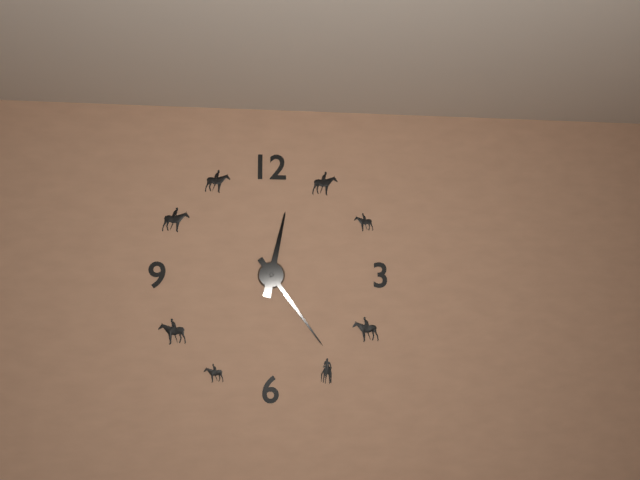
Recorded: h=12 m=24
